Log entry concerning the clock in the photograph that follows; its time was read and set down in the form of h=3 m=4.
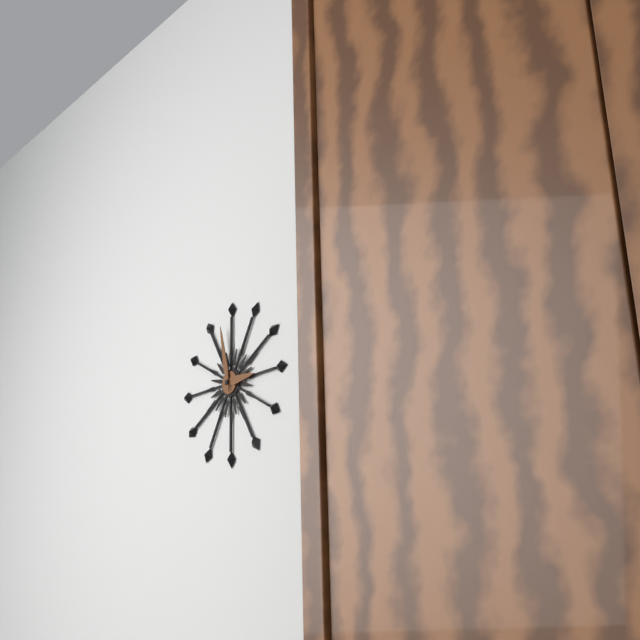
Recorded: h=2 m=58
